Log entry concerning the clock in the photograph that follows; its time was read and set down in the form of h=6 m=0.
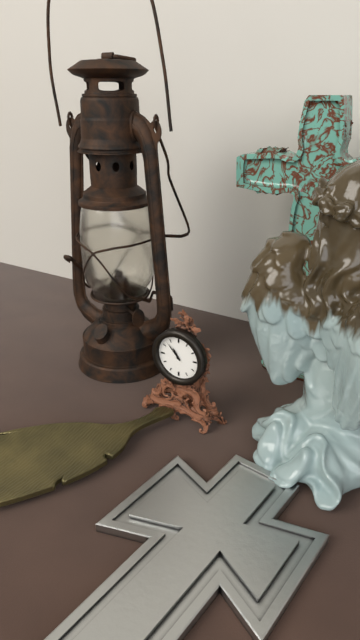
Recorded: h=10 m=53
